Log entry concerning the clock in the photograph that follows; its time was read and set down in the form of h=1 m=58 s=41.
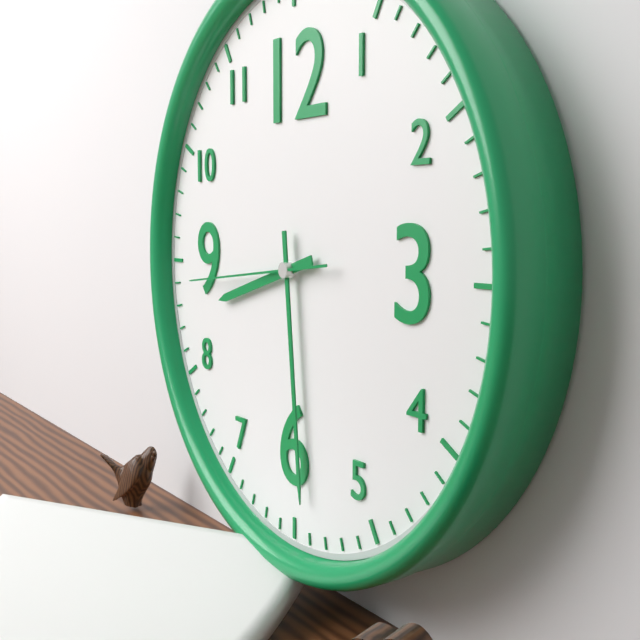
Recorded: h=8 m=29 s=44
